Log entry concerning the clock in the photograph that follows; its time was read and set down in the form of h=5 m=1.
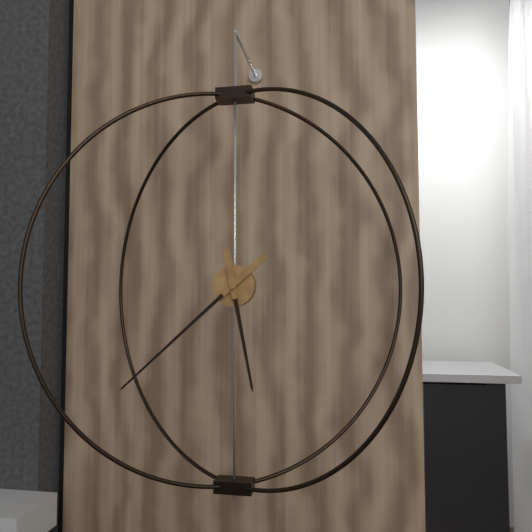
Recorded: h=5 m=38
